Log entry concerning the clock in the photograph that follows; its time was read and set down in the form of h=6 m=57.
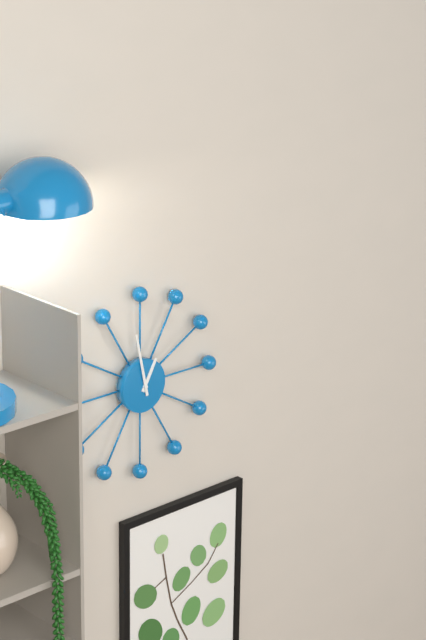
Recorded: h=12 m=58
